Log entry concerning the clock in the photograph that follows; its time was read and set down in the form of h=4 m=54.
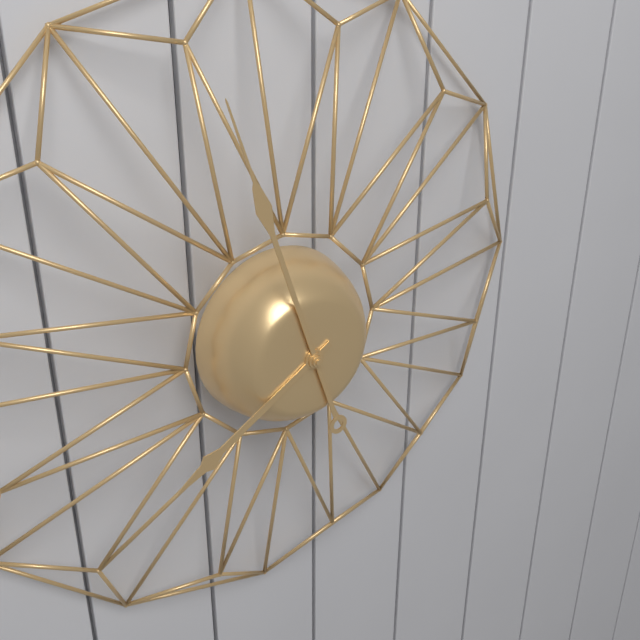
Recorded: h=7 m=57
